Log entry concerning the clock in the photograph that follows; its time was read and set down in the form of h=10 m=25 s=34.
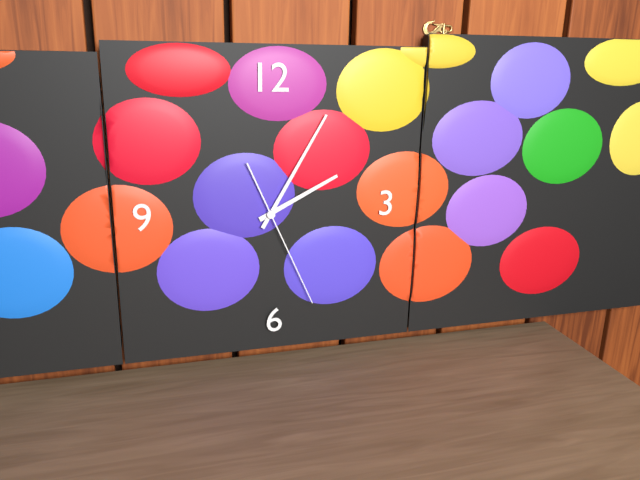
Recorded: h=2 m=5 s=26
